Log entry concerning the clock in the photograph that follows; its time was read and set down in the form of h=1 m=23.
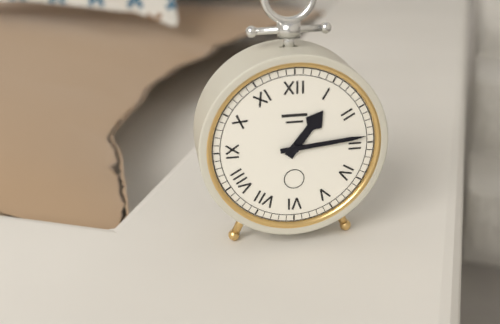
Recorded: h=1 m=14
